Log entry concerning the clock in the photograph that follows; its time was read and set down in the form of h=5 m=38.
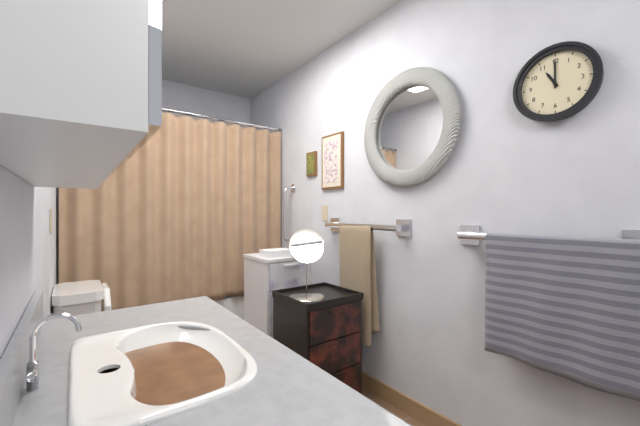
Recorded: h=11 m=0
